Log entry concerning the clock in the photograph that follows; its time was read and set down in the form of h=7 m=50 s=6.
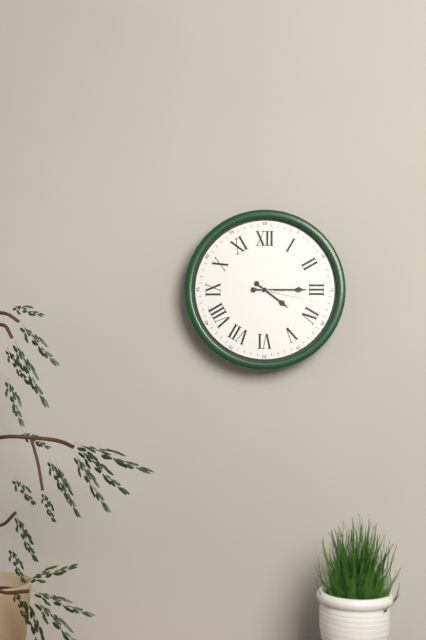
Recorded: h=4 m=15 s=17
